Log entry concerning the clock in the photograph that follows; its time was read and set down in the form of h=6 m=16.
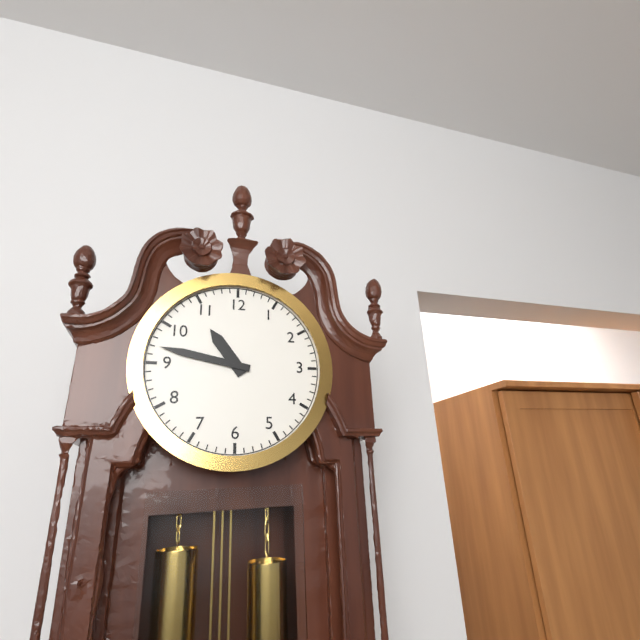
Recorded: h=10 m=47
